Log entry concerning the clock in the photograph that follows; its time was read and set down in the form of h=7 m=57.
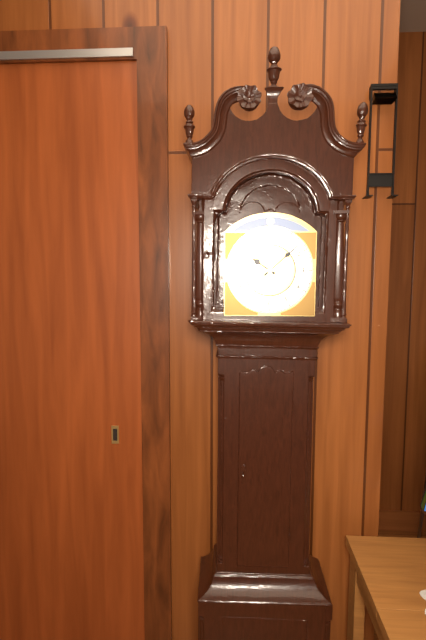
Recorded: h=10 m=8
